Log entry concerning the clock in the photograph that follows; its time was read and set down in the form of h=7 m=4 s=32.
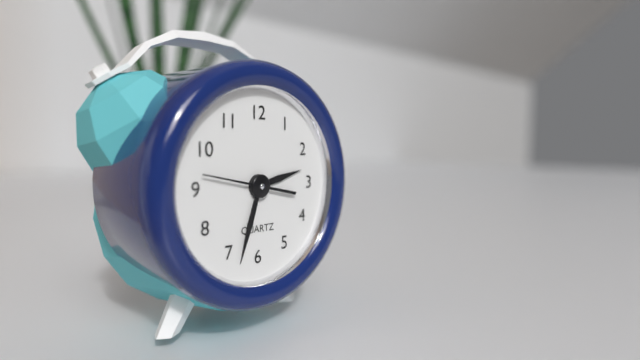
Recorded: h=2 m=33 s=47
